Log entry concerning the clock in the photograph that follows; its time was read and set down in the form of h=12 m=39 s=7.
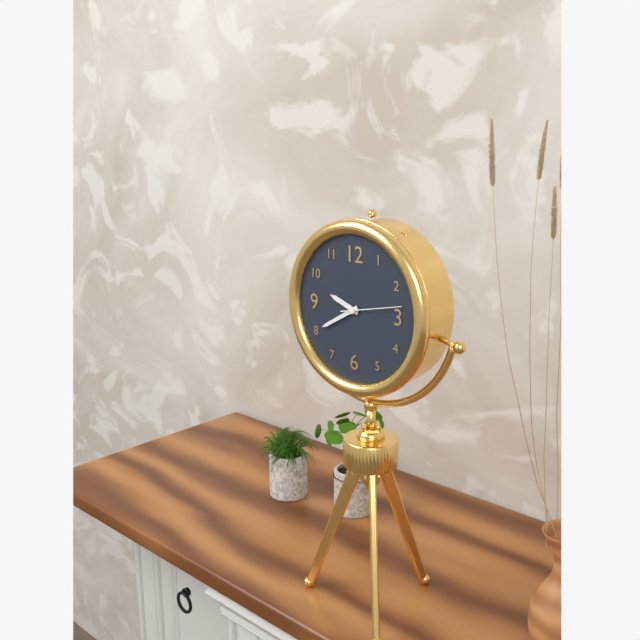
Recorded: h=9 m=40 s=13
